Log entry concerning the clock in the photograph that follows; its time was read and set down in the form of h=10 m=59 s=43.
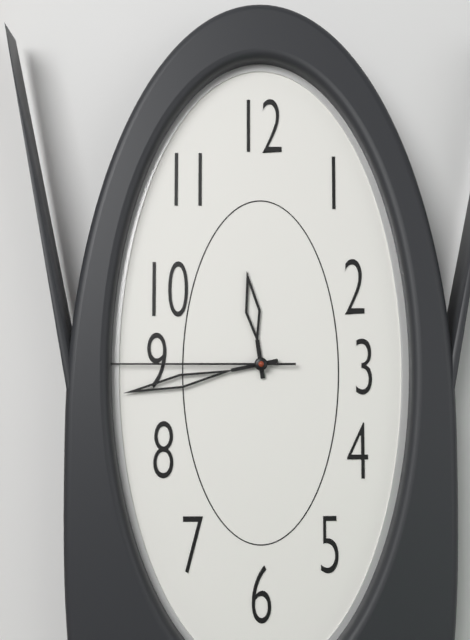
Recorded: h=11 m=43 s=45
